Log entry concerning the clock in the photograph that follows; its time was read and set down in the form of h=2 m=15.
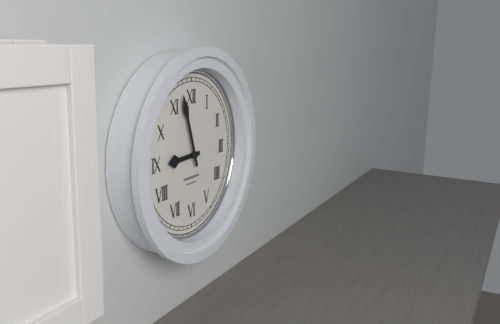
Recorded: h=8 m=57
